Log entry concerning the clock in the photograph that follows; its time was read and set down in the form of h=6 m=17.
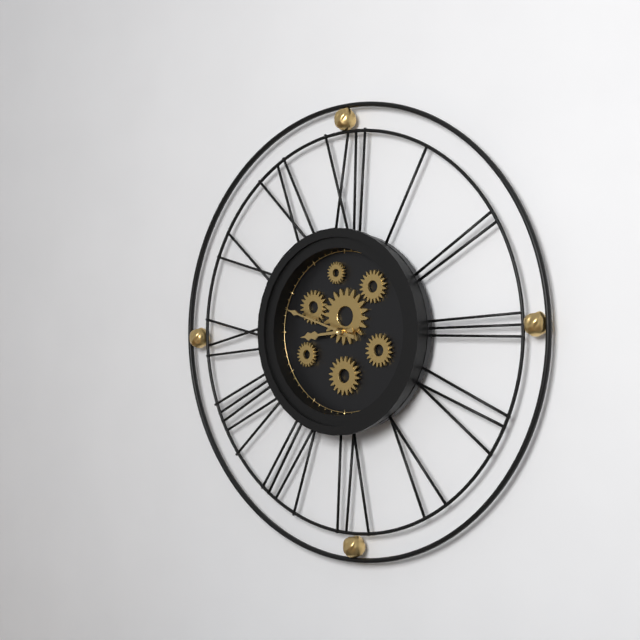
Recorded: h=8 m=48
